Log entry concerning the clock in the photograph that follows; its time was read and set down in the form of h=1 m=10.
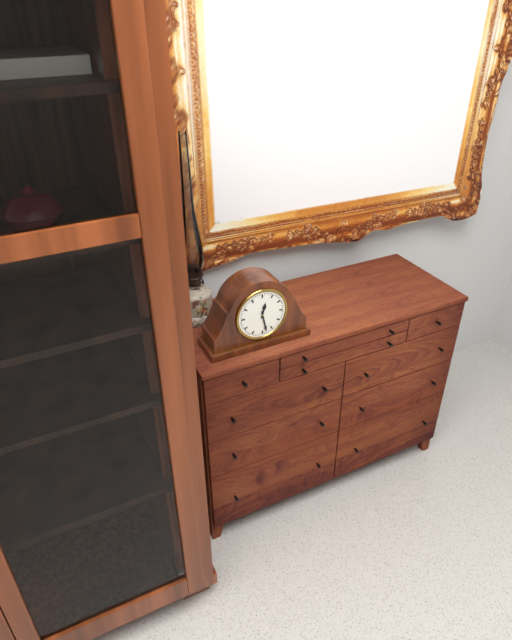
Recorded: h=12 m=28
